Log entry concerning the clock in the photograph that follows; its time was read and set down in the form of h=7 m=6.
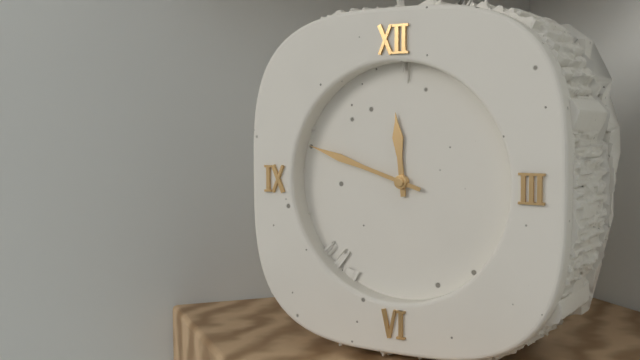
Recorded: h=11 m=48
